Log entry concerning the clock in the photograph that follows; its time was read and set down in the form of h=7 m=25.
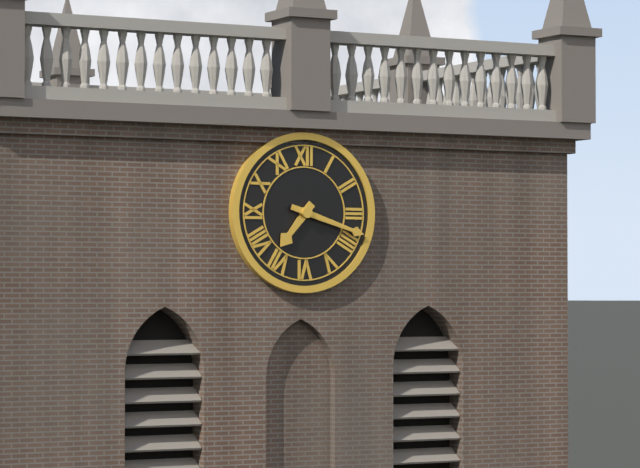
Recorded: h=7 m=18
